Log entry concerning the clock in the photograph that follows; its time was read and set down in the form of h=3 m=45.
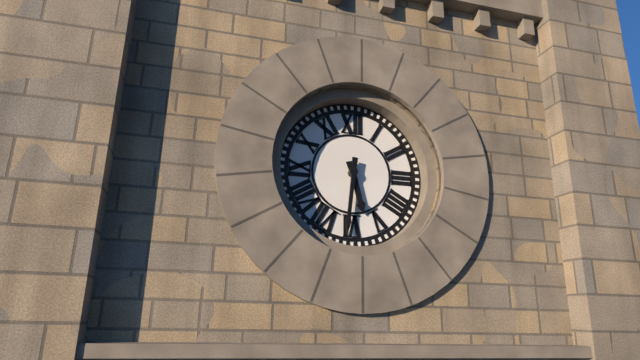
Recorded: h=5 m=31
